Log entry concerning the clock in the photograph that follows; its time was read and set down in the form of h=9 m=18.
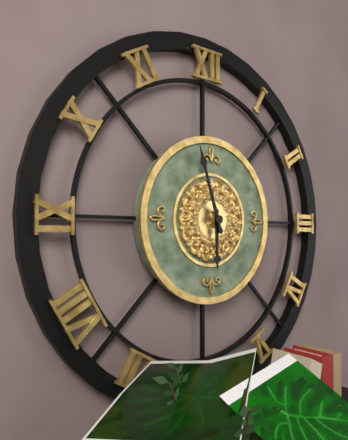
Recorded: h=5 m=57
